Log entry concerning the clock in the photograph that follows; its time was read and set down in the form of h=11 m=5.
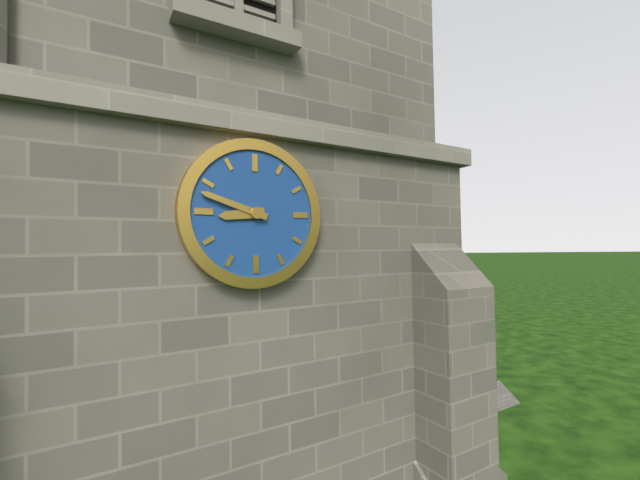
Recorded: h=8 m=48
